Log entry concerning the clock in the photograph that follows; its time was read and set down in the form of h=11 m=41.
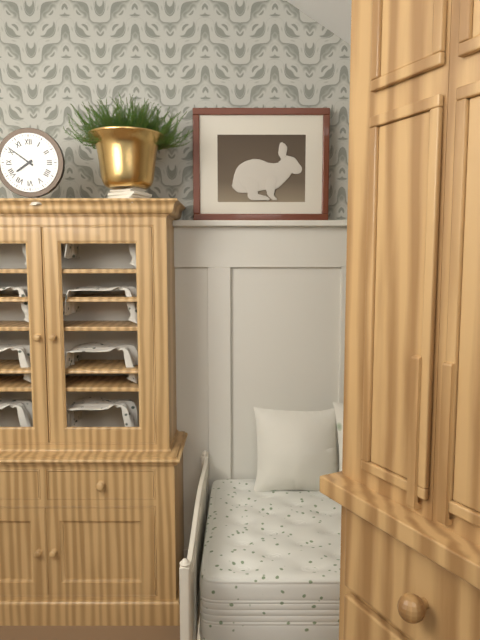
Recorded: h=7 m=51
